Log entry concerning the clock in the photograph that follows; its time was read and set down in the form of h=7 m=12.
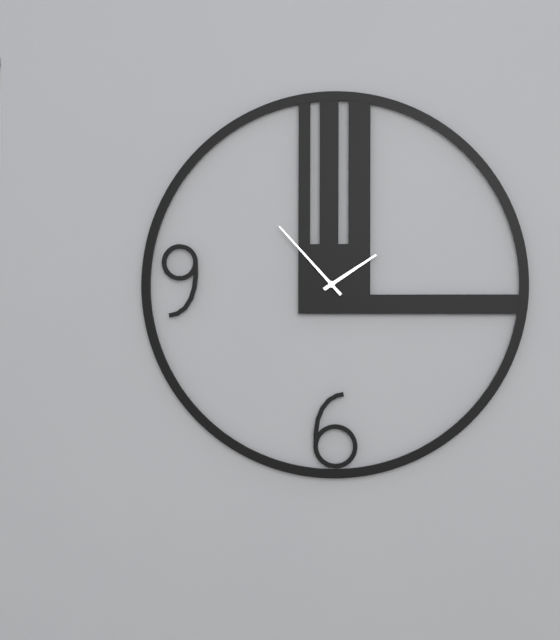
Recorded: h=1 m=53
